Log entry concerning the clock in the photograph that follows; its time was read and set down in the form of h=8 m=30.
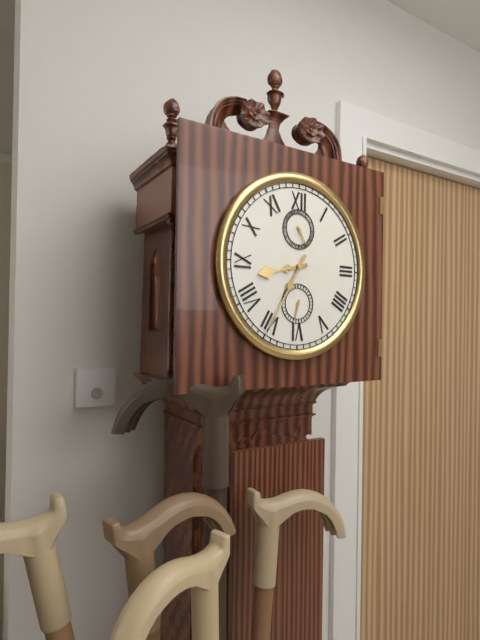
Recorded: h=8 m=35
